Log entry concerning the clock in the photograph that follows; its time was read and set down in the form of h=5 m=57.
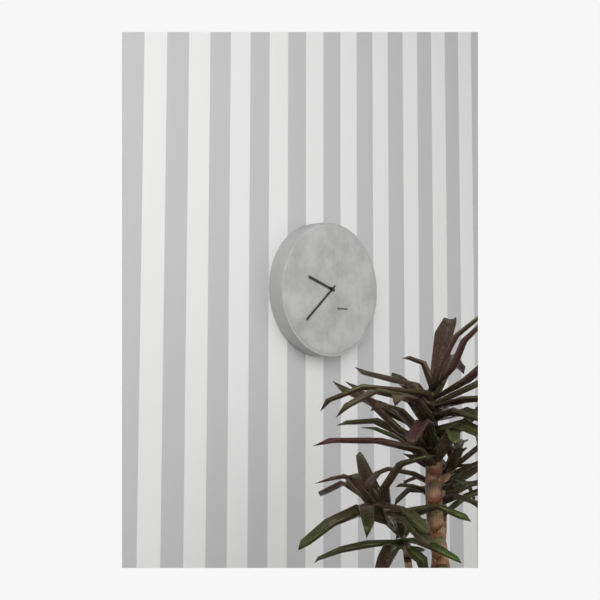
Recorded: h=9 m=38
